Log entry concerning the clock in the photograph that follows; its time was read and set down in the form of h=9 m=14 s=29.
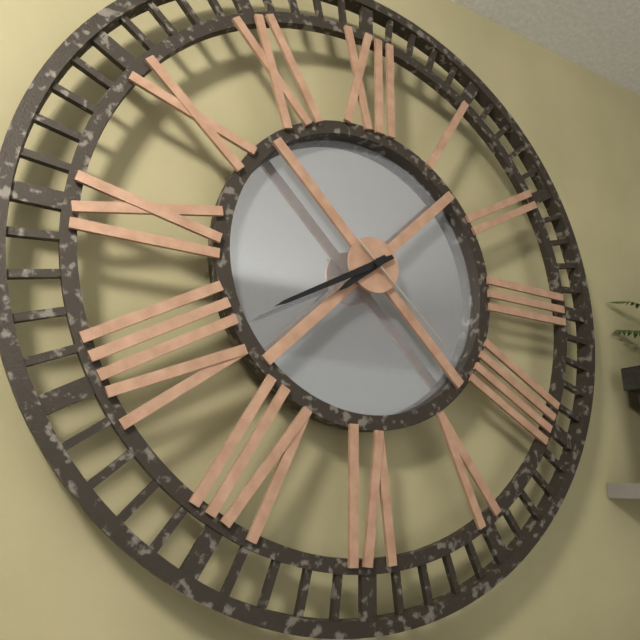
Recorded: h=7 m=40 s=22
